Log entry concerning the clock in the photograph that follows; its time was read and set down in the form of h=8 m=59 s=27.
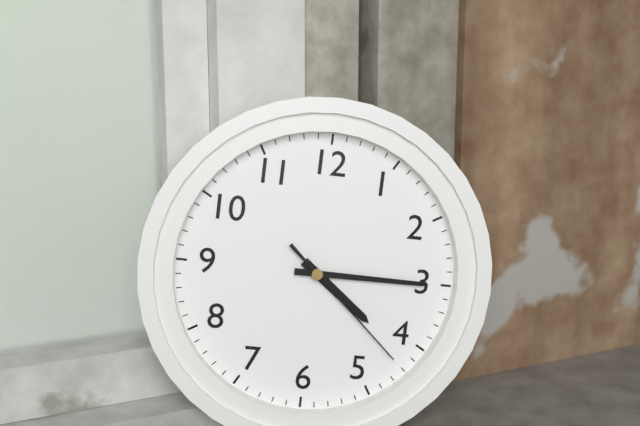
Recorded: h=4 m=15 s=22
